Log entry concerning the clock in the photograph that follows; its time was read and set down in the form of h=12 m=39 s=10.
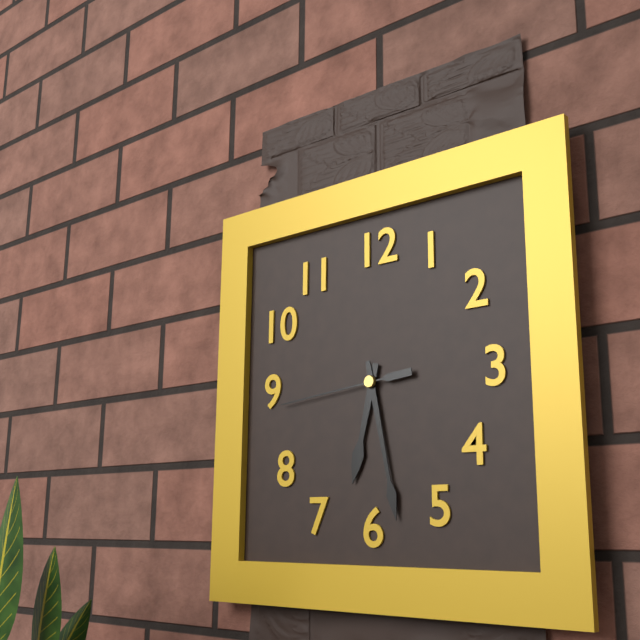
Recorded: h=6 m=28 s=44
